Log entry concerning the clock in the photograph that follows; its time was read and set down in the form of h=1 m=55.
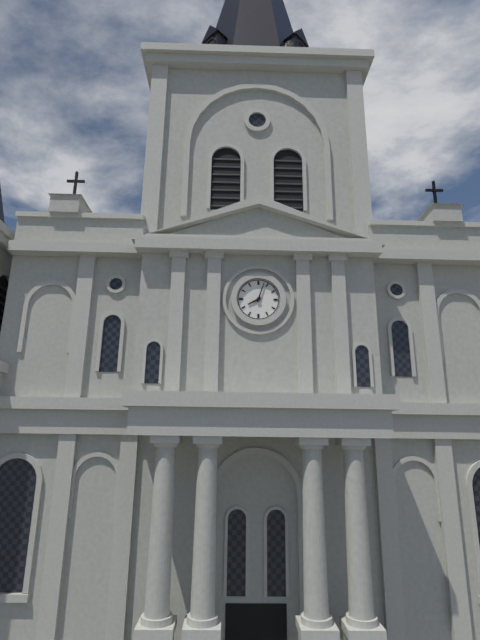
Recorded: h=8 m=3
